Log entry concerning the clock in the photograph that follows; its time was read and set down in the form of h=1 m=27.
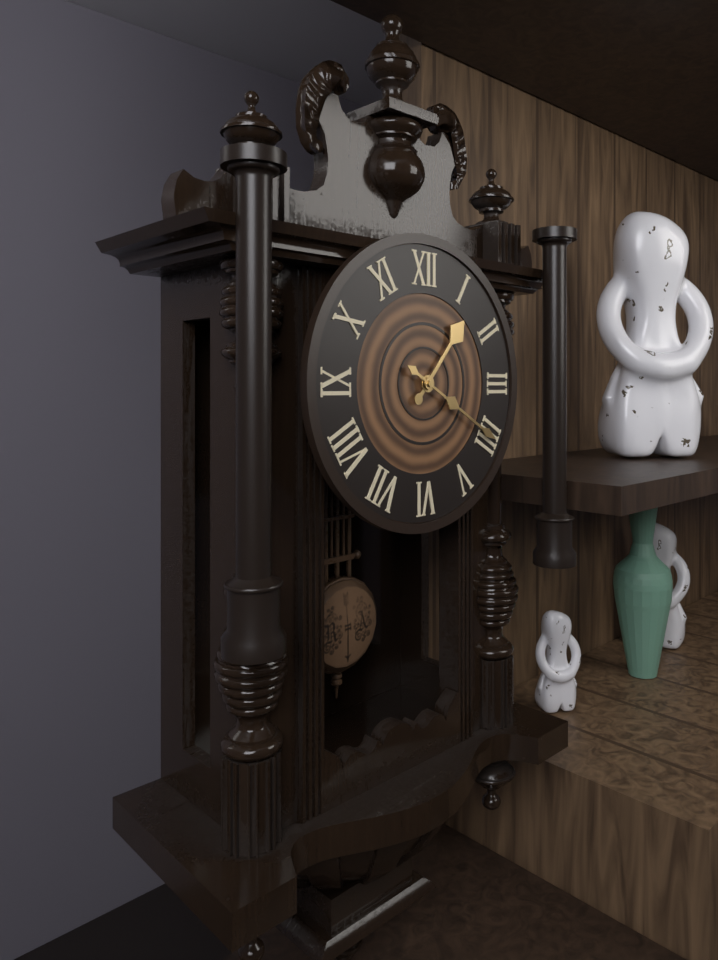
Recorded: h=1 m=20
